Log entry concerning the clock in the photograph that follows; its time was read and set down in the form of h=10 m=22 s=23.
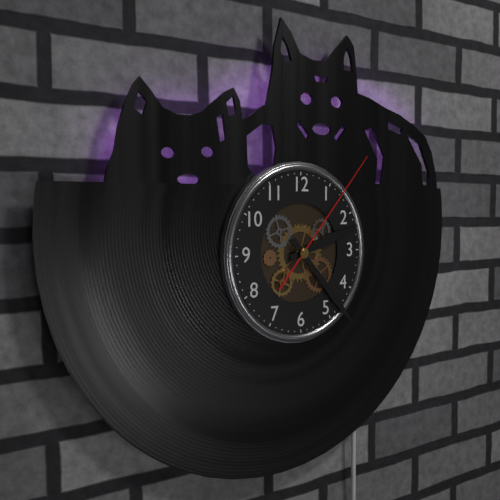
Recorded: h=2 m=23 s=7
